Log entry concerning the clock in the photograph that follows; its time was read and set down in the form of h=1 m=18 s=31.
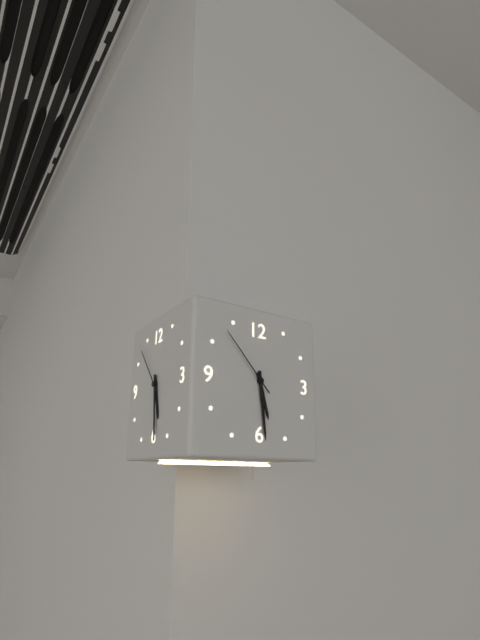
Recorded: h=5 m=29 s=53
